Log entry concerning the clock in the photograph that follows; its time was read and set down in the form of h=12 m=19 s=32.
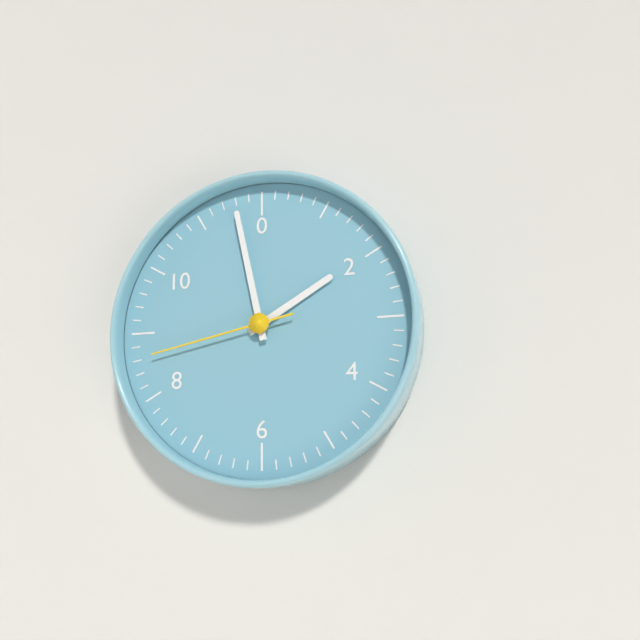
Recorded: h=1 m=58 s=43
